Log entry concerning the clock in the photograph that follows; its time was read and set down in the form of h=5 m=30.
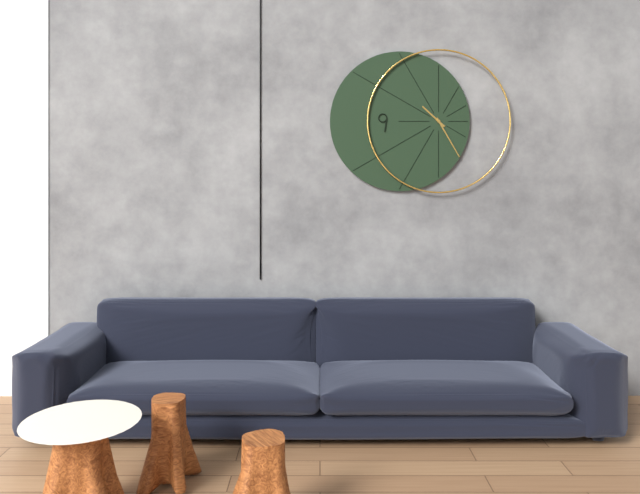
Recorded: h=10 m=25
